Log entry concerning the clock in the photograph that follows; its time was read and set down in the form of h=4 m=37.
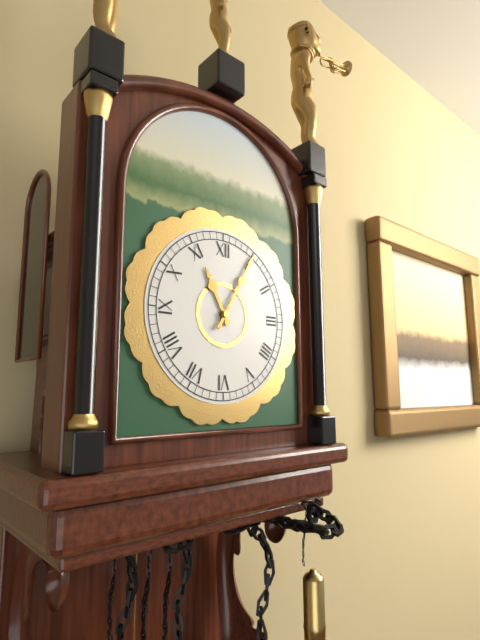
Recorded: h=11 m=5
